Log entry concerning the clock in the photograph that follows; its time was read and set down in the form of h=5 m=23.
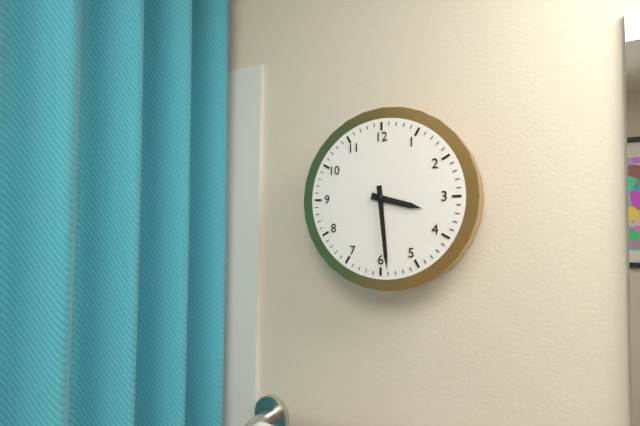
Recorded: h=3 m=29
